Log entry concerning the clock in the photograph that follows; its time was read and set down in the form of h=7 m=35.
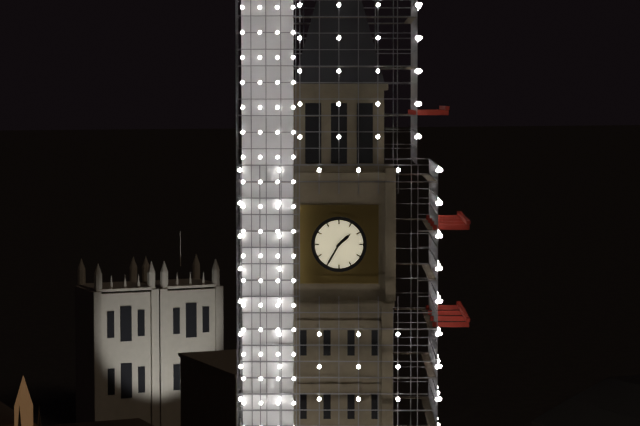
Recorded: h=1 m=35
